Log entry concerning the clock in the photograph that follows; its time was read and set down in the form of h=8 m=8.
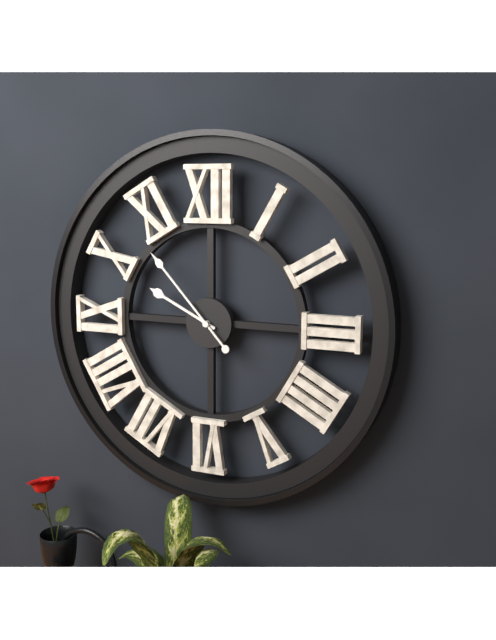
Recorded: h=9 m=53
